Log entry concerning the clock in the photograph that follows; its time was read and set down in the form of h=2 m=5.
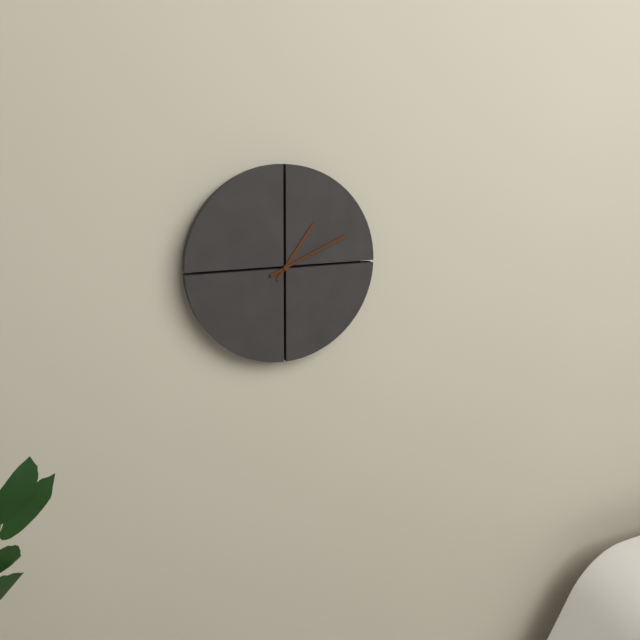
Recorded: h=1 m=11
